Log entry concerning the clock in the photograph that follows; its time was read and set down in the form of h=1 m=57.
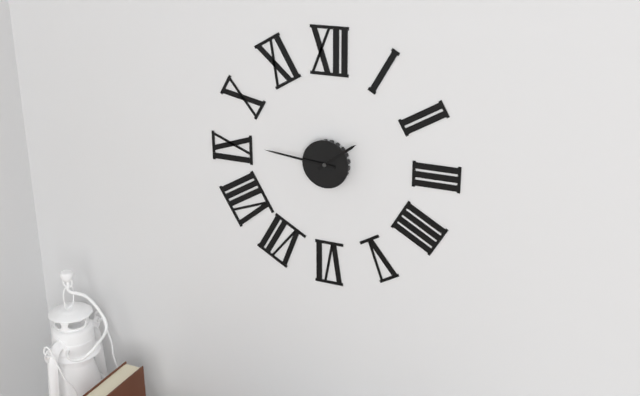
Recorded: h=1 m=46
